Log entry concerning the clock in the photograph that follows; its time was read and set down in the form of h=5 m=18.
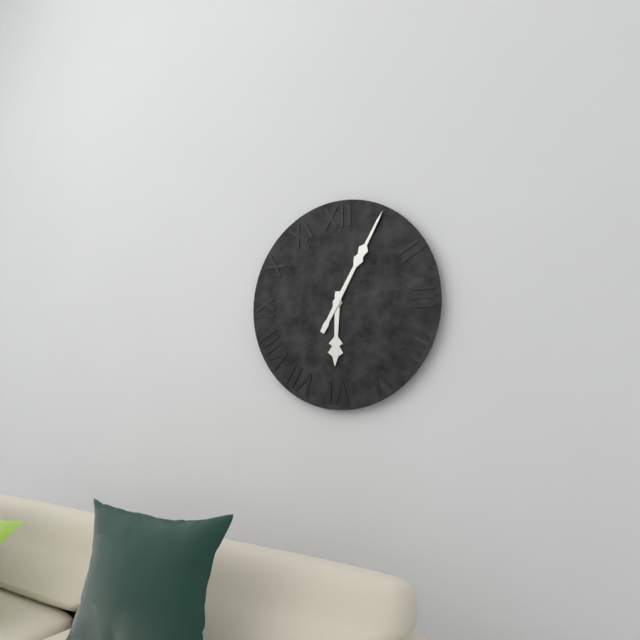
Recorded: h=6 m=5
